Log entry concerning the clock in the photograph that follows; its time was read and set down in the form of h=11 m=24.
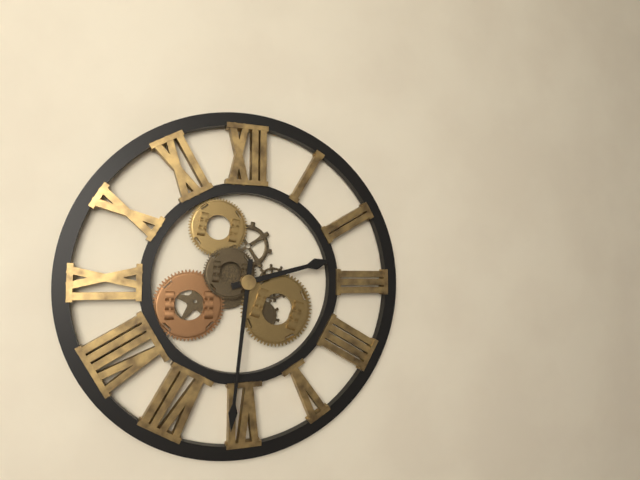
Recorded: h=2 m=31
